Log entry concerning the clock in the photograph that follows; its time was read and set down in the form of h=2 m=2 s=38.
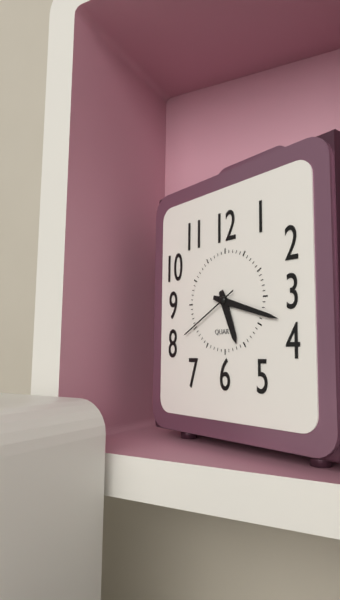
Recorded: h=5 m=18 s=40
